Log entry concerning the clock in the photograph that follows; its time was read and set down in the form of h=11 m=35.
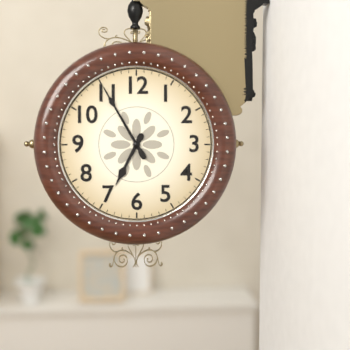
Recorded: h=6 m=55
